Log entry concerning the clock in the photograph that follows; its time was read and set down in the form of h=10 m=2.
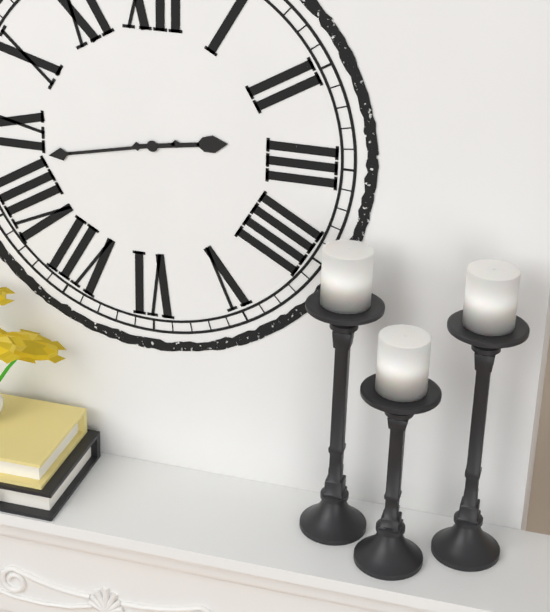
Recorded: h=2 m=43
